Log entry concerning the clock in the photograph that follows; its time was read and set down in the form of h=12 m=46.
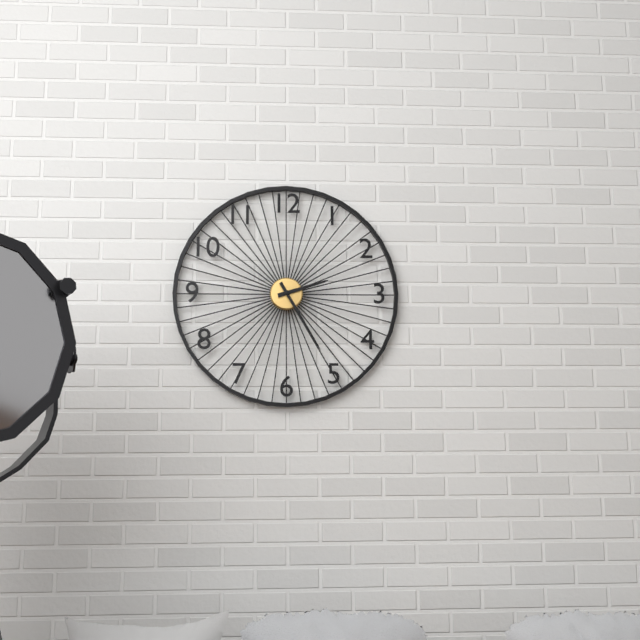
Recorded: h=2 m=25
